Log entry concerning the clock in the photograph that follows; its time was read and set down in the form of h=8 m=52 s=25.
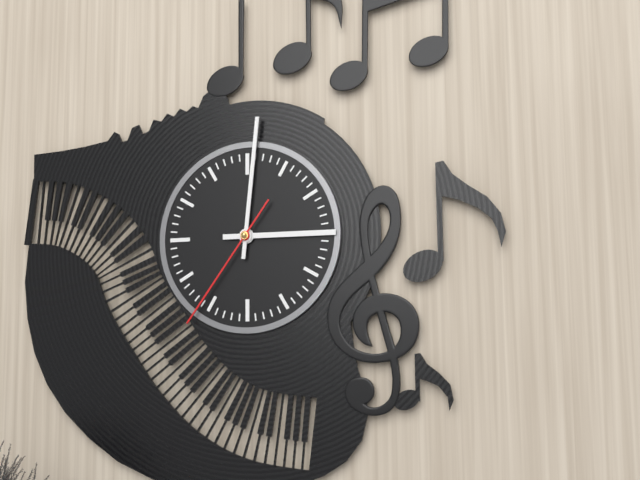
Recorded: h=3 m=1 s=36
